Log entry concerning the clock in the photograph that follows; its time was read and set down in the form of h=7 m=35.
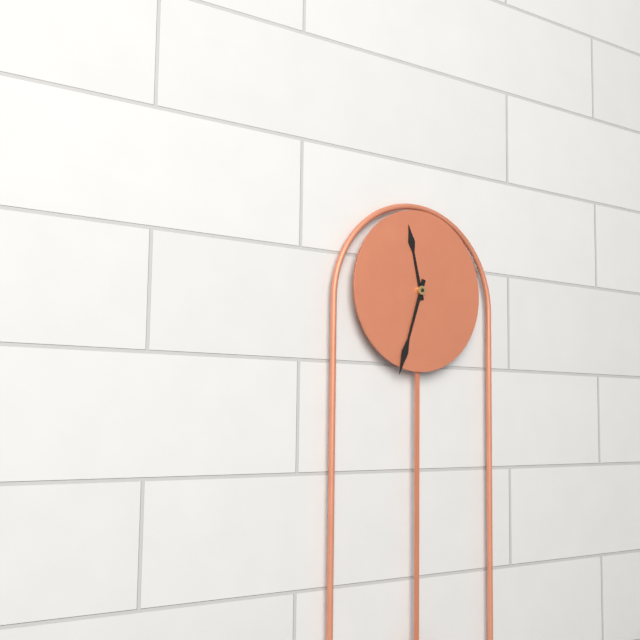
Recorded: h=11 m=33
